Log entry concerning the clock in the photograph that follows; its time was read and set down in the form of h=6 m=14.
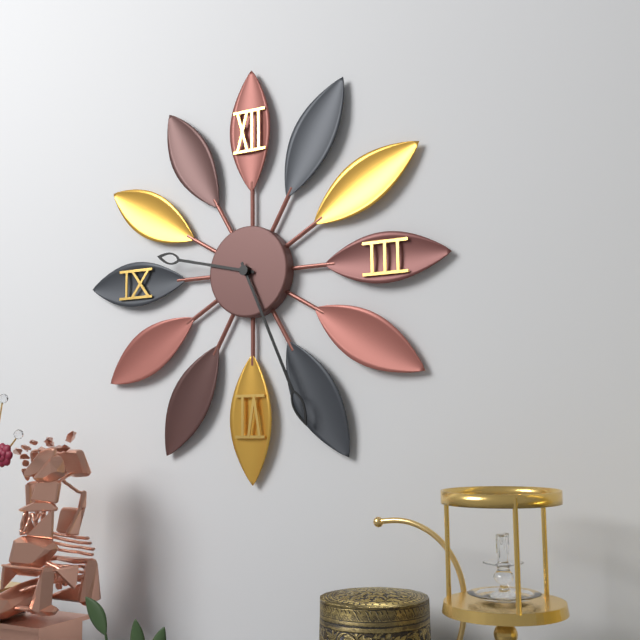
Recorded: h=9 m=26
